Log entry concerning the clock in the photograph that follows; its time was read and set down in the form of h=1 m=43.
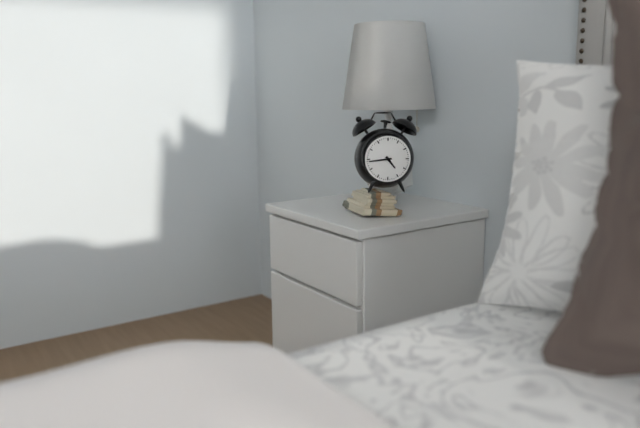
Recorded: h=4 m=44
